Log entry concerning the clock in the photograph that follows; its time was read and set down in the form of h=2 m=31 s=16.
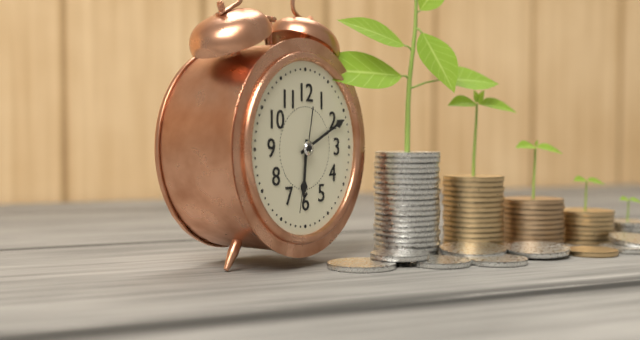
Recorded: h=6 m=11 s=32
